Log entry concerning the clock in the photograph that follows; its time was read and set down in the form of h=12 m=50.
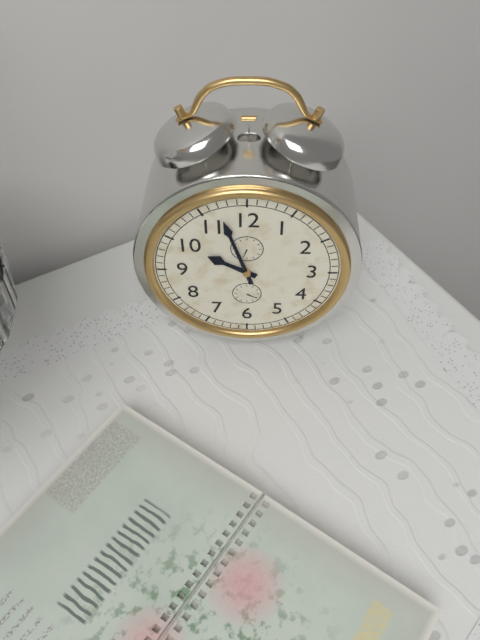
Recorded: h=9 m=57
